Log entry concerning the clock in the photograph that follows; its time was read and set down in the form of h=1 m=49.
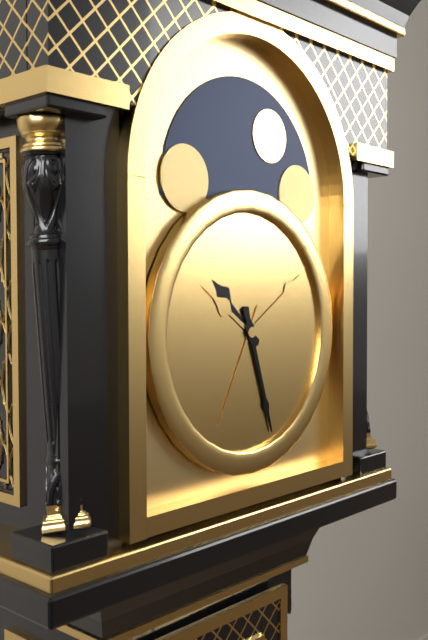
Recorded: h=10 m=27
